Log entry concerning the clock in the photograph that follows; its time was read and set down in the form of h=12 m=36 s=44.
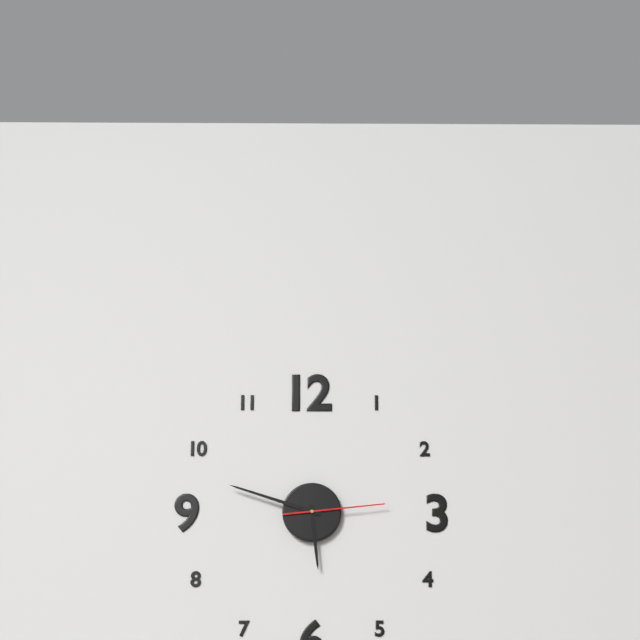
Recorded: h=5 m=48 s=14
